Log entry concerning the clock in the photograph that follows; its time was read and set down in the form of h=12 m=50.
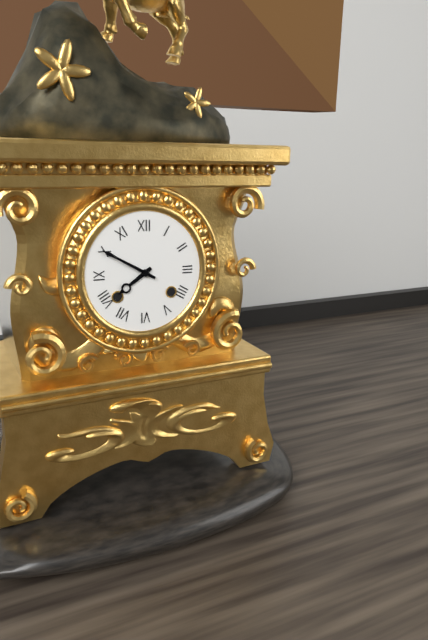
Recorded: h=7 m=50
